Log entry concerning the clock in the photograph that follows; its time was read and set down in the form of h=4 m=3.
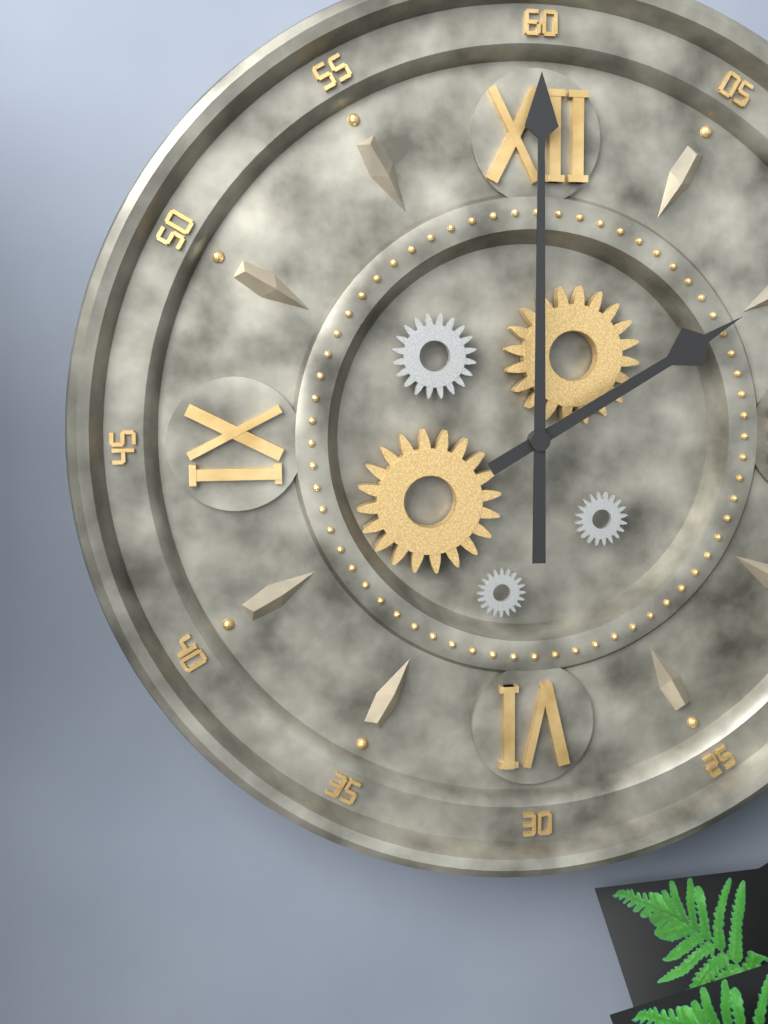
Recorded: h=2 m=0
